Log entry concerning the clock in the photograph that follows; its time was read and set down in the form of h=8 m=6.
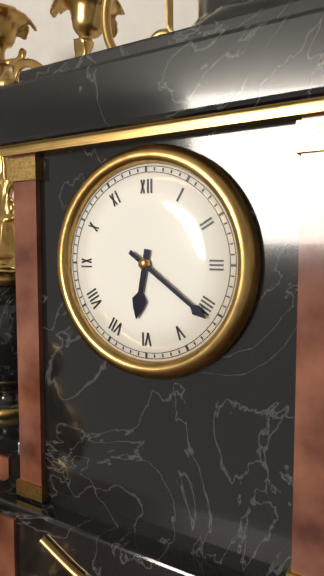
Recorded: h=6 m=21
